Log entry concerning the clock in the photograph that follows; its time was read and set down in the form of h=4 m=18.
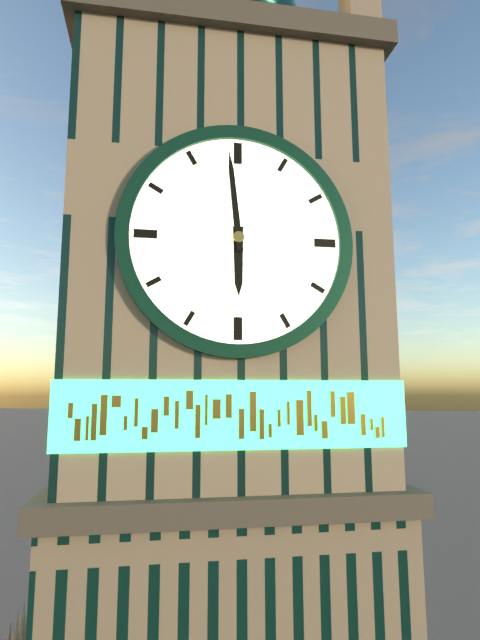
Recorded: h=5 m=59
